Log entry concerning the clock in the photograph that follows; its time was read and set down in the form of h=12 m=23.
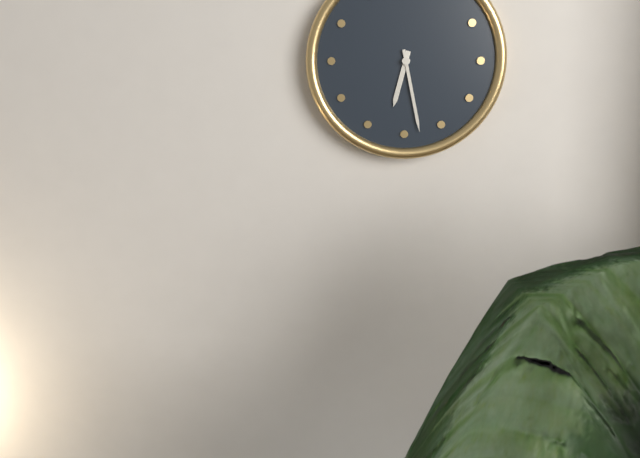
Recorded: h=6 m=28
